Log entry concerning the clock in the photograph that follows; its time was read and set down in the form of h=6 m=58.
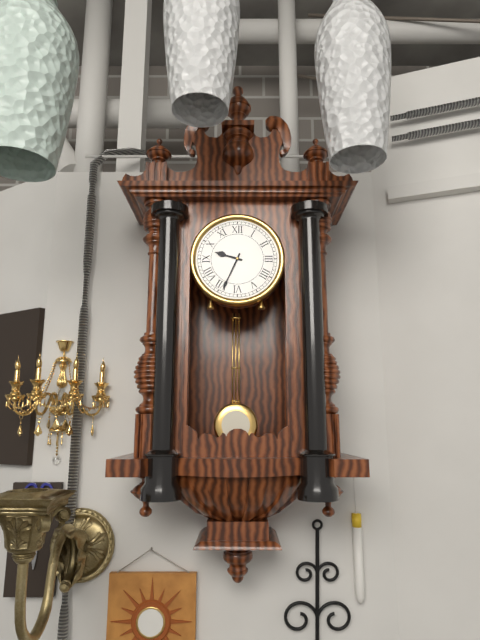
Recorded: h=9 m=34
